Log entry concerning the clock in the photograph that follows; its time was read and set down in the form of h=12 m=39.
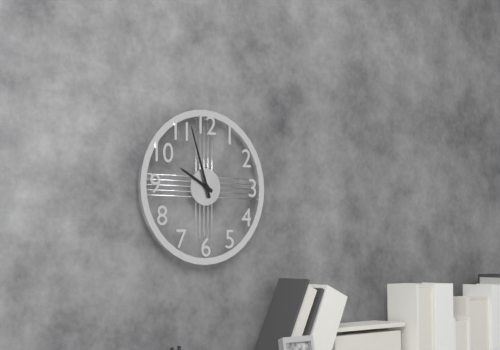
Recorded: h=9 m=57
